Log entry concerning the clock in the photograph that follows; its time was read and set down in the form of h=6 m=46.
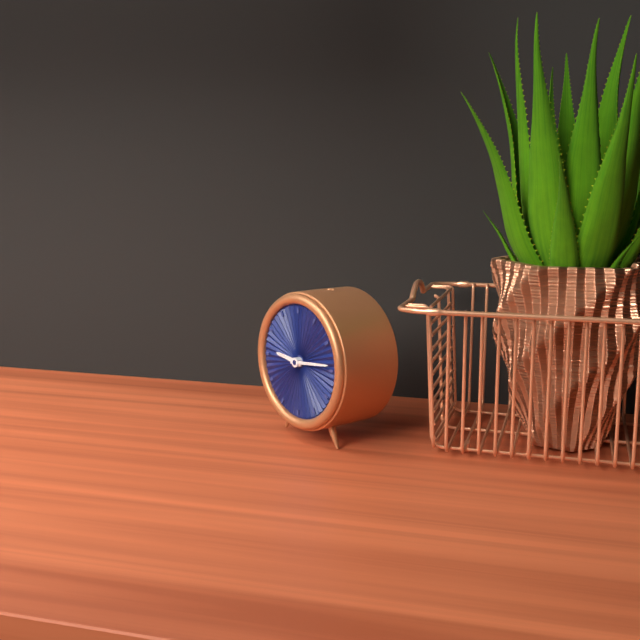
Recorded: h=9 m=14
